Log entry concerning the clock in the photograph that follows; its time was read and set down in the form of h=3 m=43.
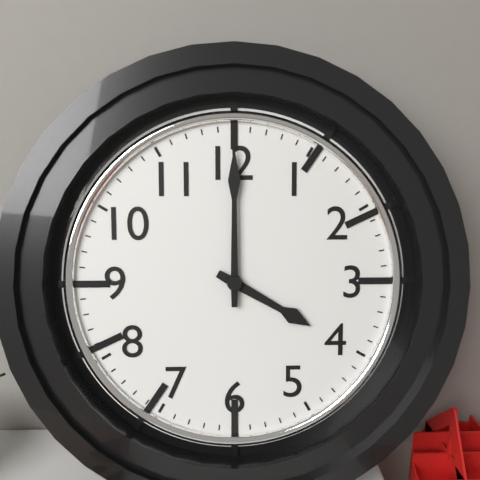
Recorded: h=4 m=0
